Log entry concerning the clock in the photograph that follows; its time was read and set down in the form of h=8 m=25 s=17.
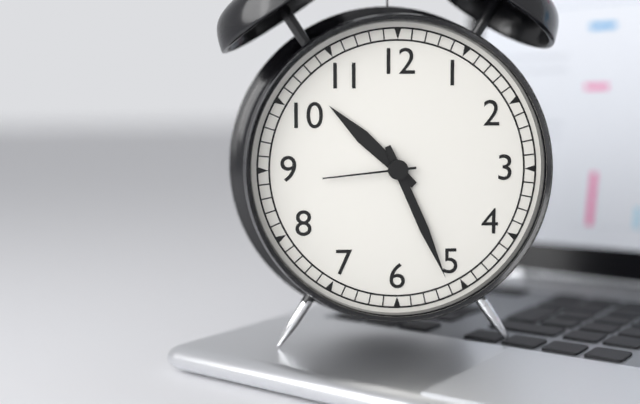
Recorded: h=10 m=26 s=44
